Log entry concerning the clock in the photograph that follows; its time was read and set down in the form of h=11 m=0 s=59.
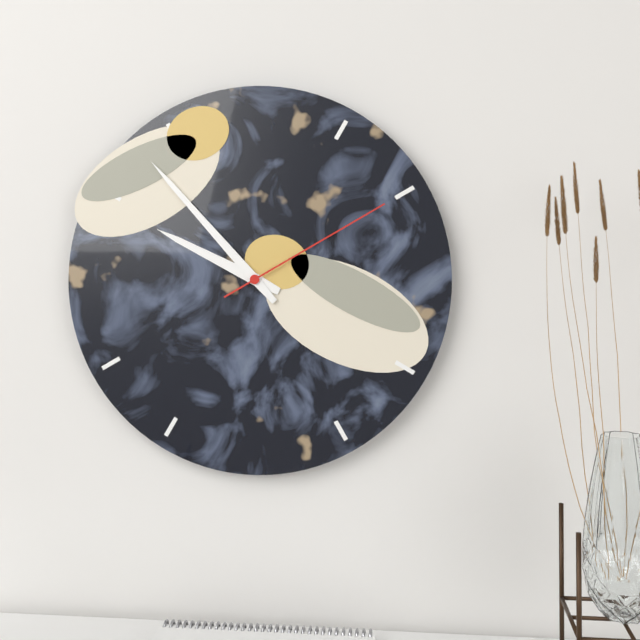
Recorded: h=9 m=53 s=10
